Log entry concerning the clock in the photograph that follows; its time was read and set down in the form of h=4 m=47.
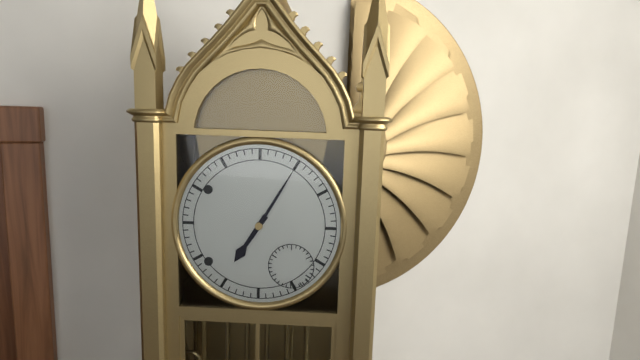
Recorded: h=7 m=5
